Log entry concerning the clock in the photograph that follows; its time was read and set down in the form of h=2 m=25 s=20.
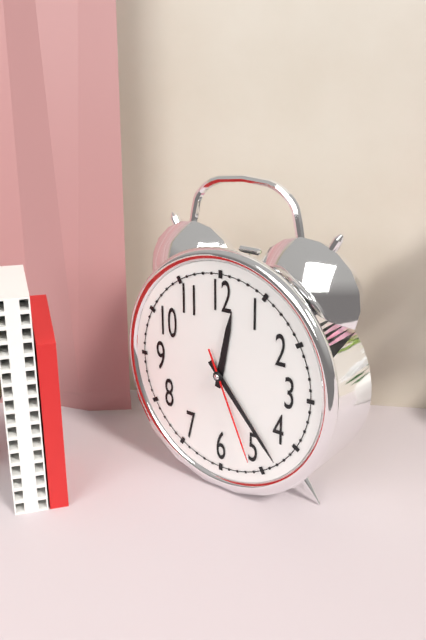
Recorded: h=12 m=23 s=26
